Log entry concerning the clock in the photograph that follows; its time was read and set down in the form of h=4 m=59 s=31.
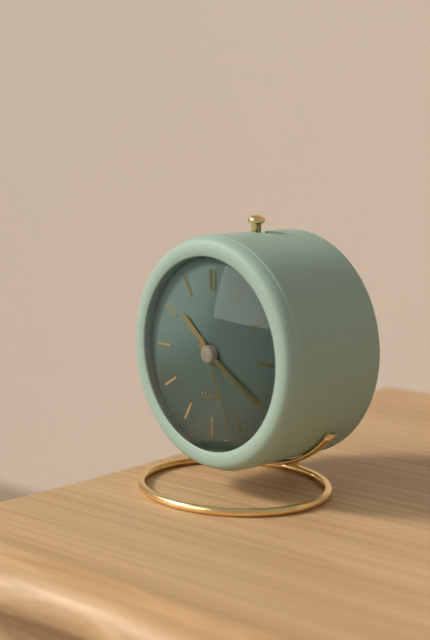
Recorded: h=10 m=20 s=26
